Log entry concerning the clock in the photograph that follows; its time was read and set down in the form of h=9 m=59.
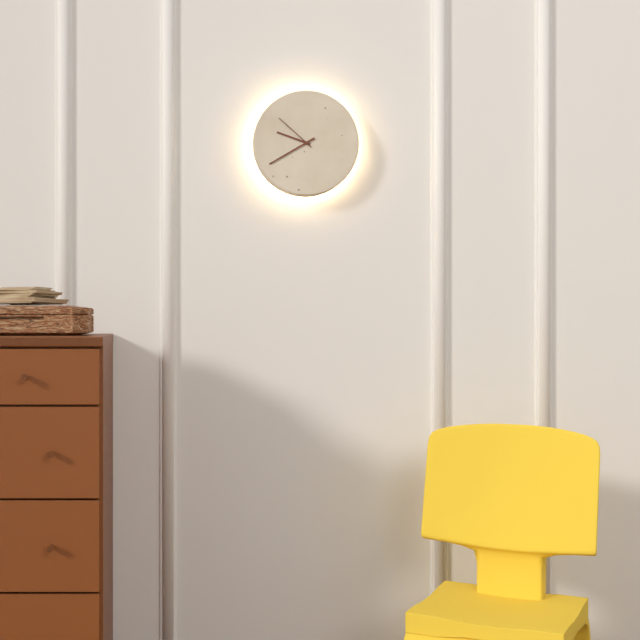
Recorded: h=9 m=40
